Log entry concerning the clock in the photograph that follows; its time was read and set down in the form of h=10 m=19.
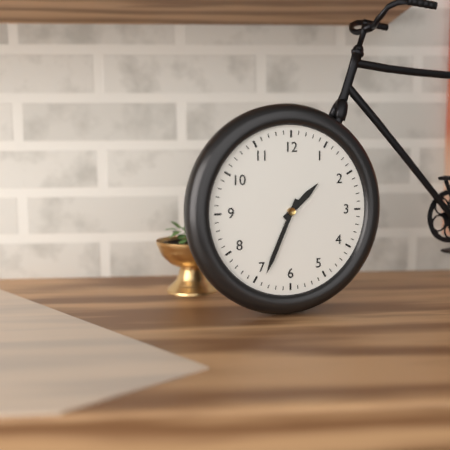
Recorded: h=1 m=34
